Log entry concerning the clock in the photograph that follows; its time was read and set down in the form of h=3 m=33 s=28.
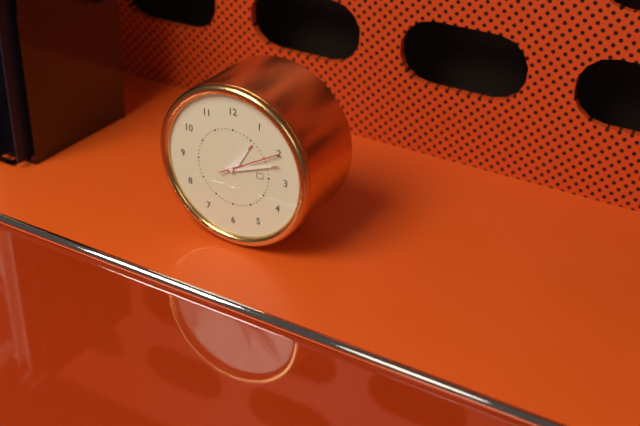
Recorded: h=1 m=12 s=10
